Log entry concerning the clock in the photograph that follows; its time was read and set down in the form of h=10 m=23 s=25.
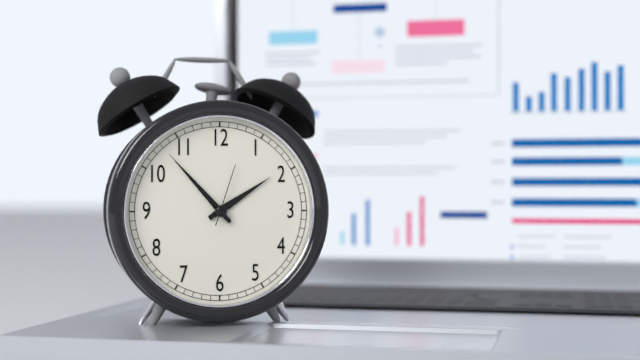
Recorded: h=1 m=53 s=3
